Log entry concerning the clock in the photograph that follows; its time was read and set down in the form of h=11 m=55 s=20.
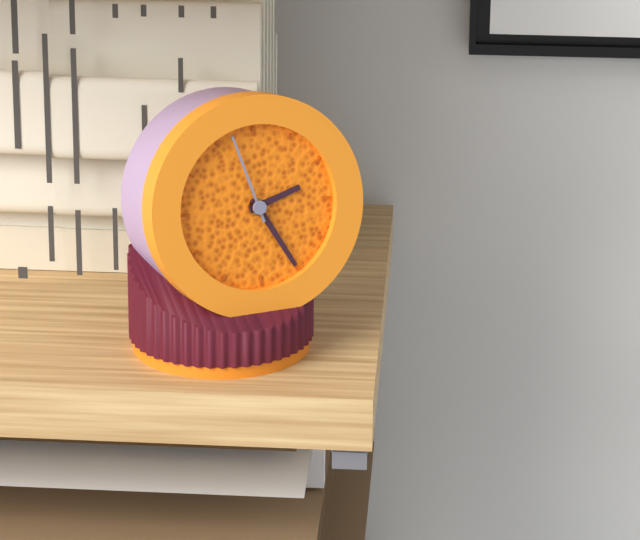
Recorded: h=2 m=25 s=57
